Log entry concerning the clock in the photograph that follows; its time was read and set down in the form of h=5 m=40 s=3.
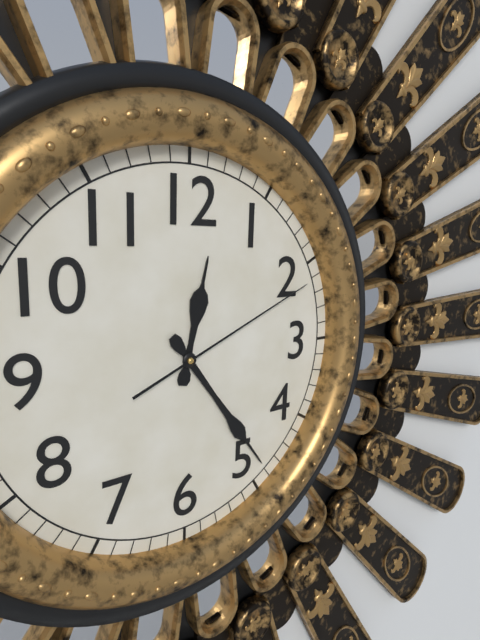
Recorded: h=12 m=24 s=11
